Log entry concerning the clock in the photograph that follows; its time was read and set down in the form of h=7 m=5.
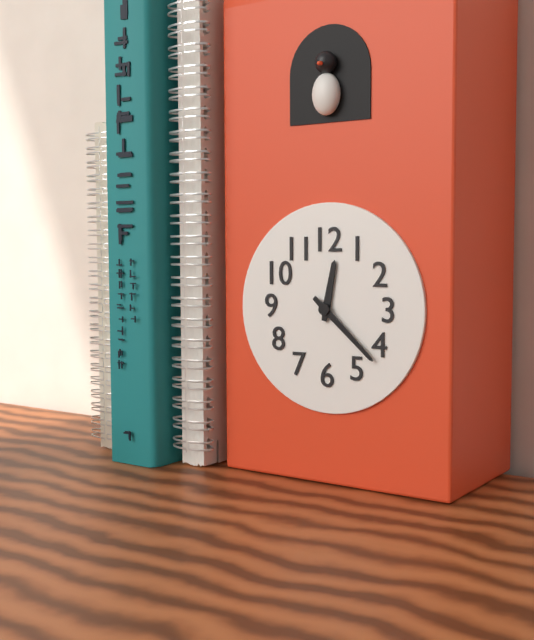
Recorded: h=12 m=22
